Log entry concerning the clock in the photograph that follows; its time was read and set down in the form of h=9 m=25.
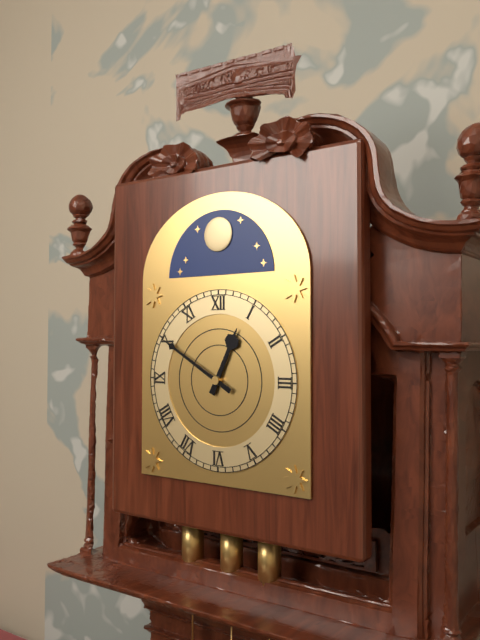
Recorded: h=12 m=50
